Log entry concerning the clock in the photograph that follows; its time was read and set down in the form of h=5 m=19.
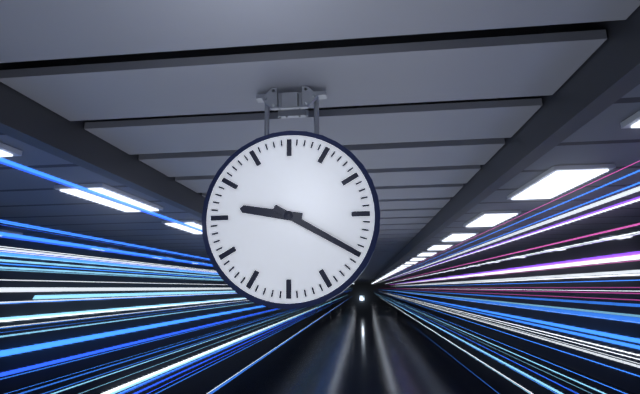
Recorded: h=9 m=20
